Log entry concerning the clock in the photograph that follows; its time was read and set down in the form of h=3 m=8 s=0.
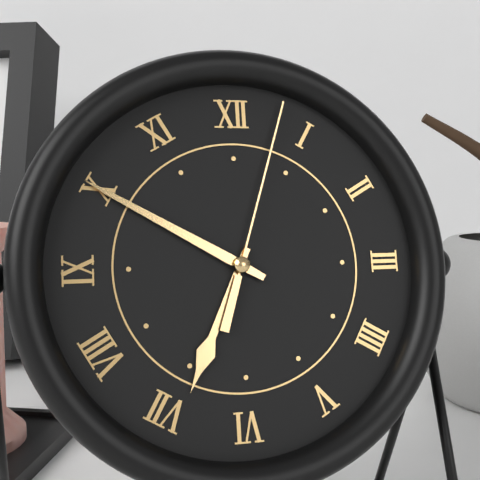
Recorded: h=6 m=50 s=3
